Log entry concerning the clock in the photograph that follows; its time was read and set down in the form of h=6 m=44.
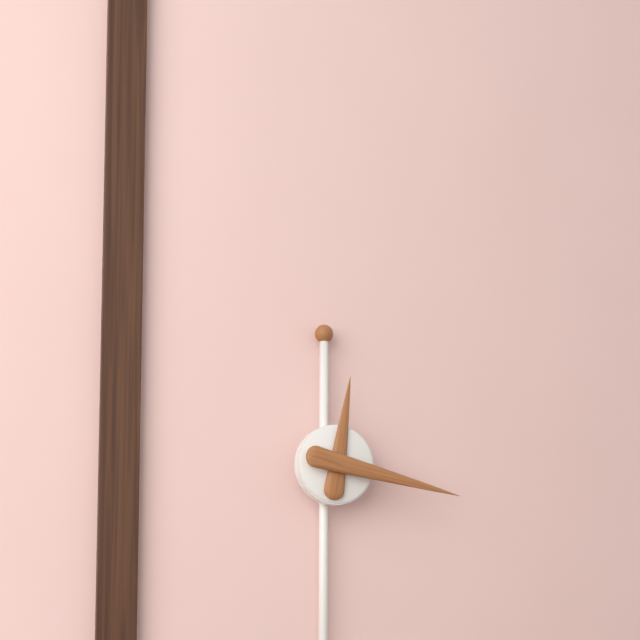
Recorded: h=12 m=17
